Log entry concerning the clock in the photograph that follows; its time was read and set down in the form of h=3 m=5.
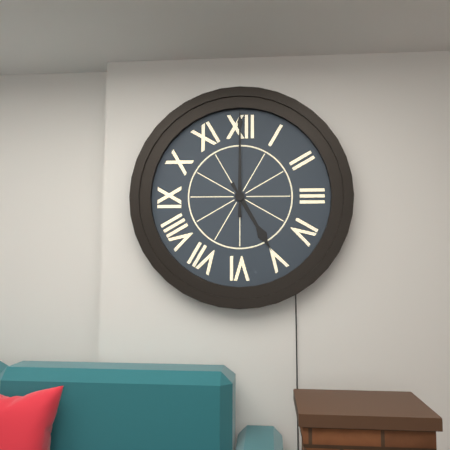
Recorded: h=5 m=0
